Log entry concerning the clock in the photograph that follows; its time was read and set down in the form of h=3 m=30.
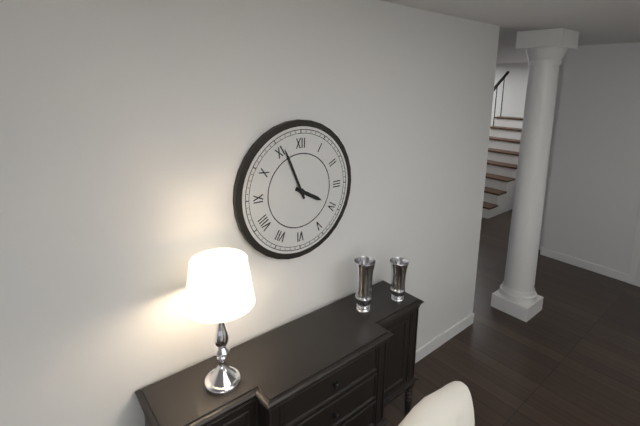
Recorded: h=3 m=56
